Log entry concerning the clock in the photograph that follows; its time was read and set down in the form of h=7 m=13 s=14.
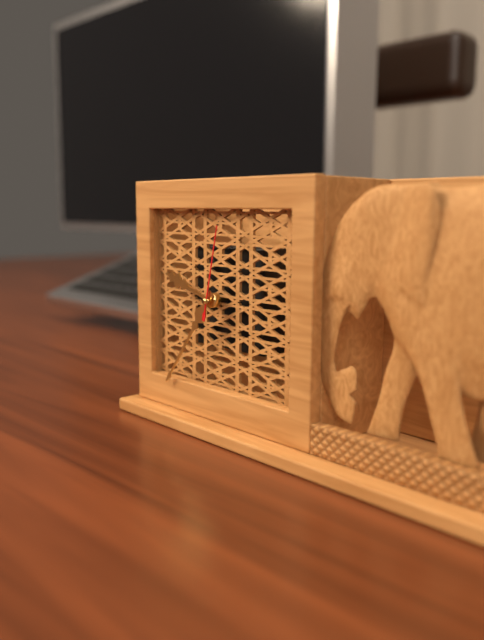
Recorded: h=9 m=36 s=2
